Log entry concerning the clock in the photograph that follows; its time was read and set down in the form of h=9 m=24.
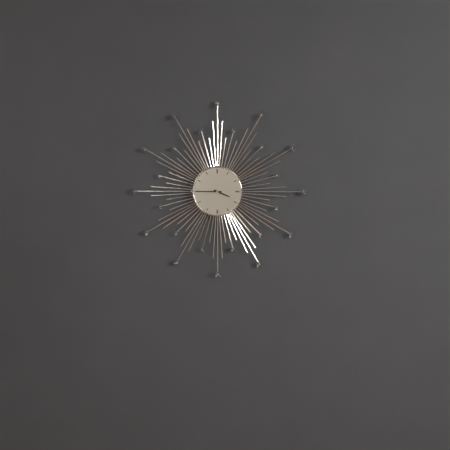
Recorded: h=3 m=45
